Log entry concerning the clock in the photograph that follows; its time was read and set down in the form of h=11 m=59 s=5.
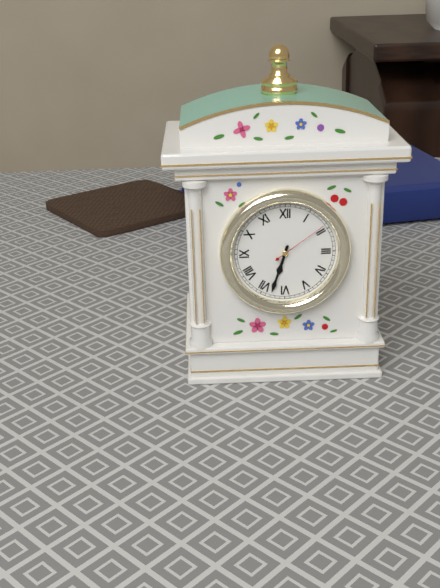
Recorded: h=6 m=33 s=9
